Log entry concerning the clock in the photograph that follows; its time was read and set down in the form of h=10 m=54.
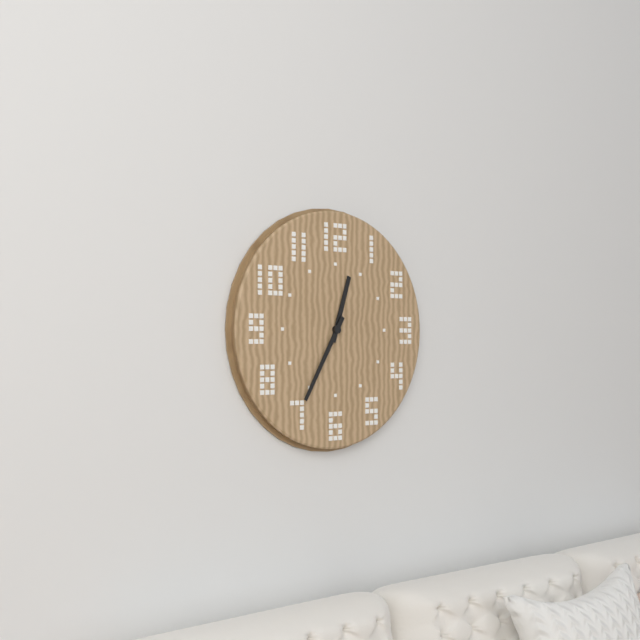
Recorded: h=12 m=35
